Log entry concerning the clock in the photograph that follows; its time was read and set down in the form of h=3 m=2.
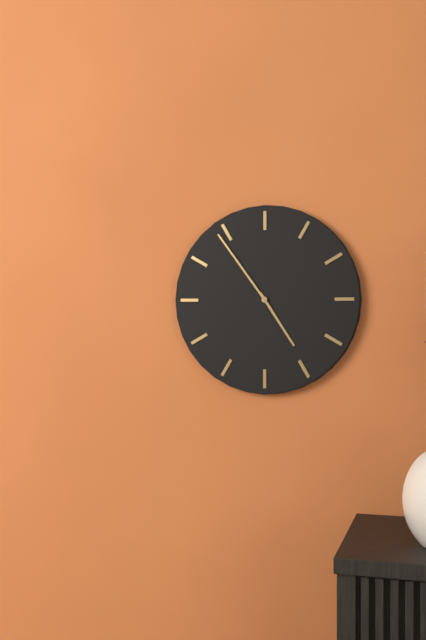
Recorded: h=4 m=54
